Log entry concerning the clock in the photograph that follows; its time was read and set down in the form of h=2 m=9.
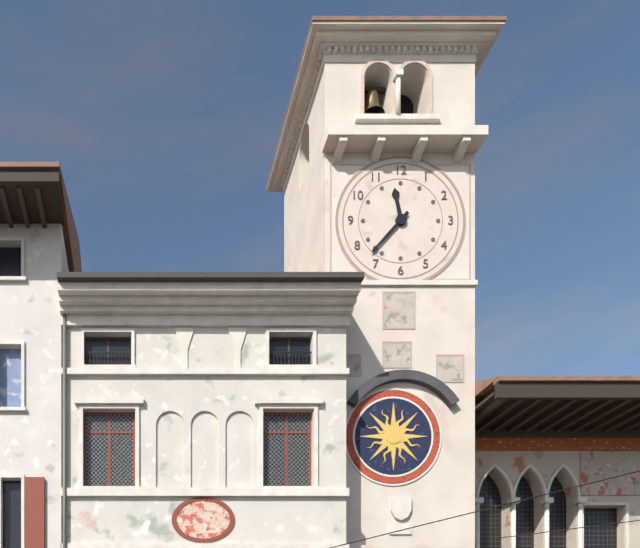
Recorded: h=11 m=37
